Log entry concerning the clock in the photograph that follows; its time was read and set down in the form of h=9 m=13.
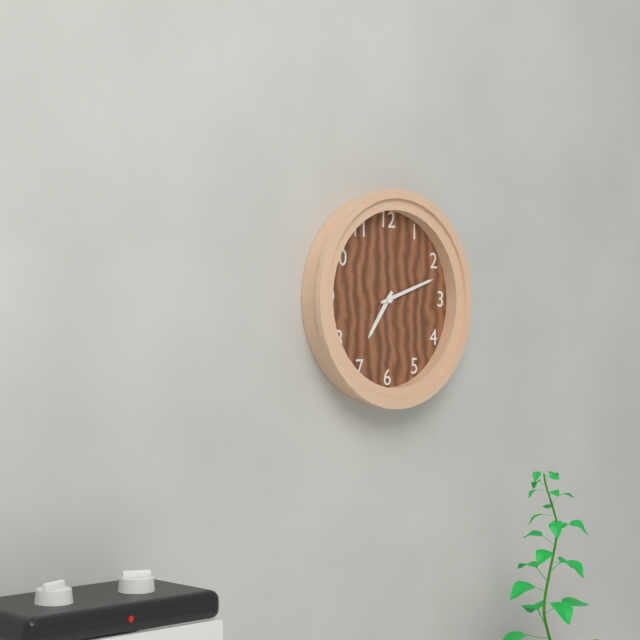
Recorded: h=7 m=12
